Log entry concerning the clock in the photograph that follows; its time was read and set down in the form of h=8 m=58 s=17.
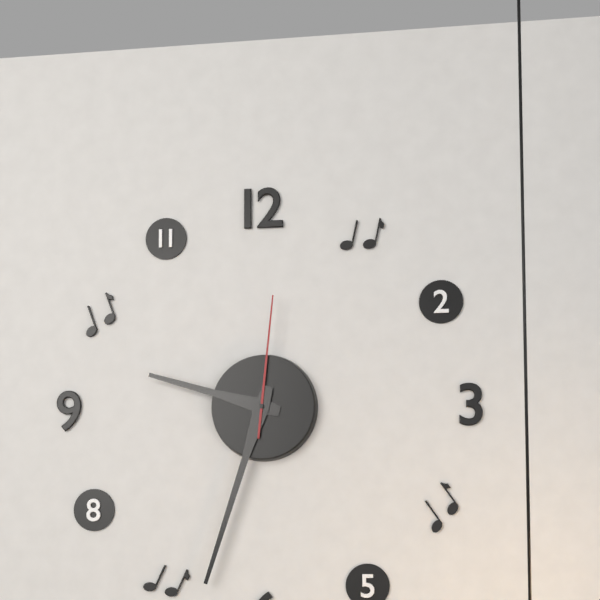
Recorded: h=9 m=33 s=1
